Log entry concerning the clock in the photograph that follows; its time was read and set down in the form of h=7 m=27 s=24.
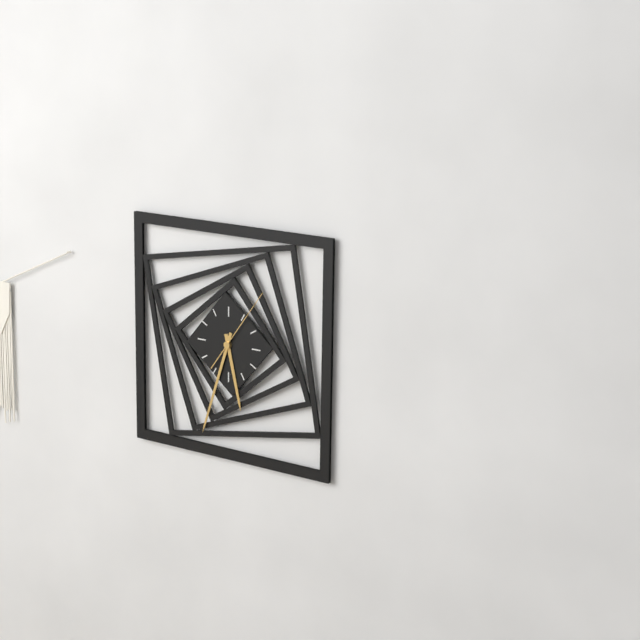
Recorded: h=5 m=33 s=6
